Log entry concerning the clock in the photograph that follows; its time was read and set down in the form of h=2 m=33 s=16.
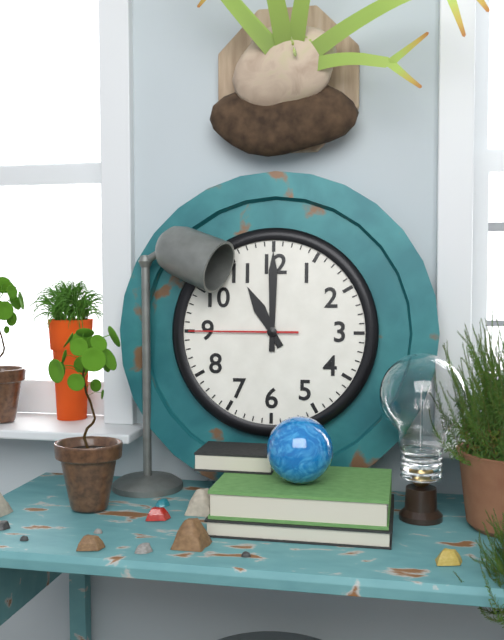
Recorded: h=11 m=0 s=45
